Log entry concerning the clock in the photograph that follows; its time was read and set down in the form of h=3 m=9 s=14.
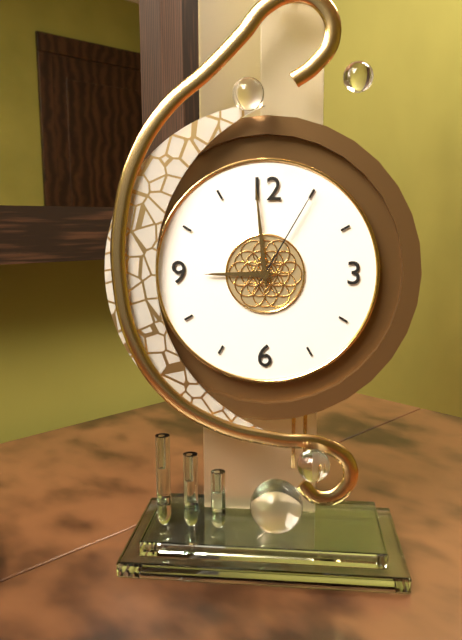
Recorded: h=8 m=59 s=5
